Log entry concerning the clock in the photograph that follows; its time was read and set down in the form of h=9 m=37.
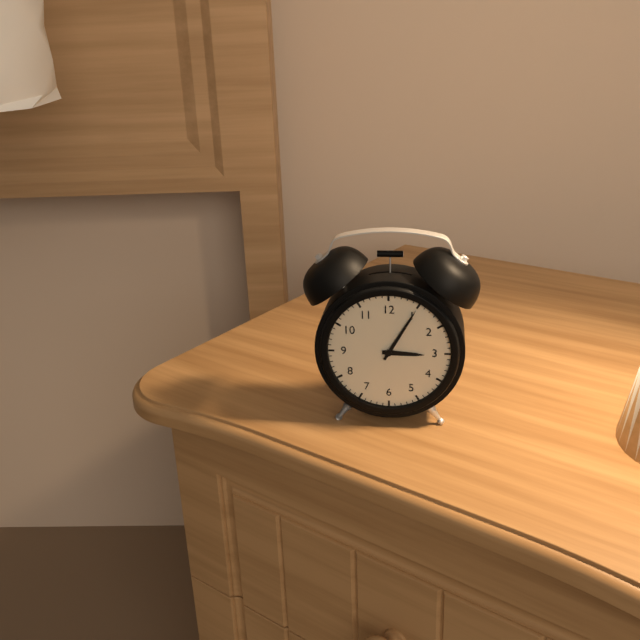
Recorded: h=3 m=5
